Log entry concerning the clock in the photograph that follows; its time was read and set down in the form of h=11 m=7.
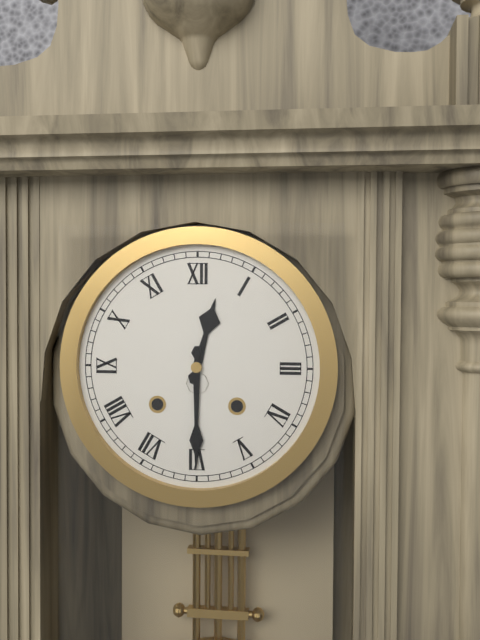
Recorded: h=12 m=30
